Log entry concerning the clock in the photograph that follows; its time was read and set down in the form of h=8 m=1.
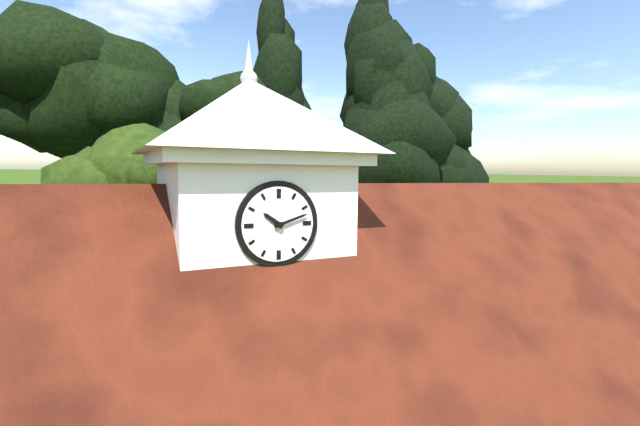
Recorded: h=10 m=12
